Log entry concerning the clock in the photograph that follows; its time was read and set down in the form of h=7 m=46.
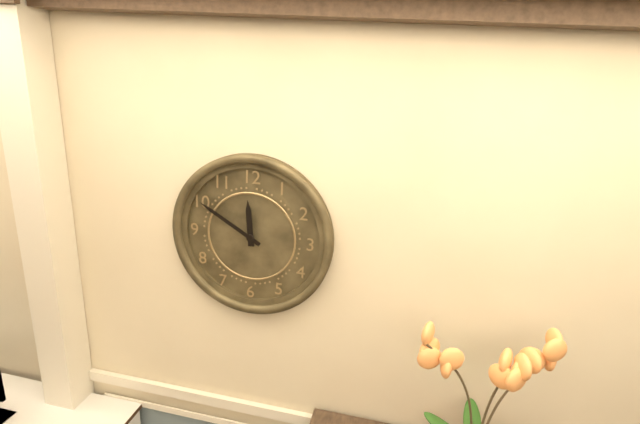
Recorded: h=11 m=50
